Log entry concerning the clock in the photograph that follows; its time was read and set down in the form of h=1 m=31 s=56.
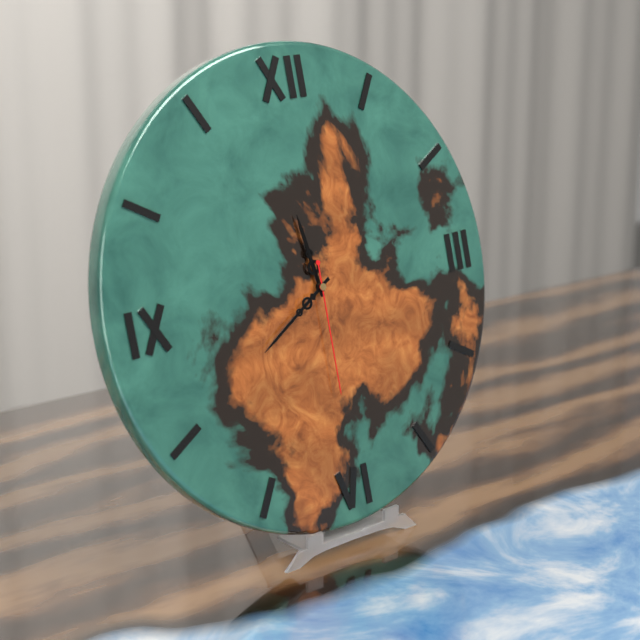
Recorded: h=11 m=40 s=30
